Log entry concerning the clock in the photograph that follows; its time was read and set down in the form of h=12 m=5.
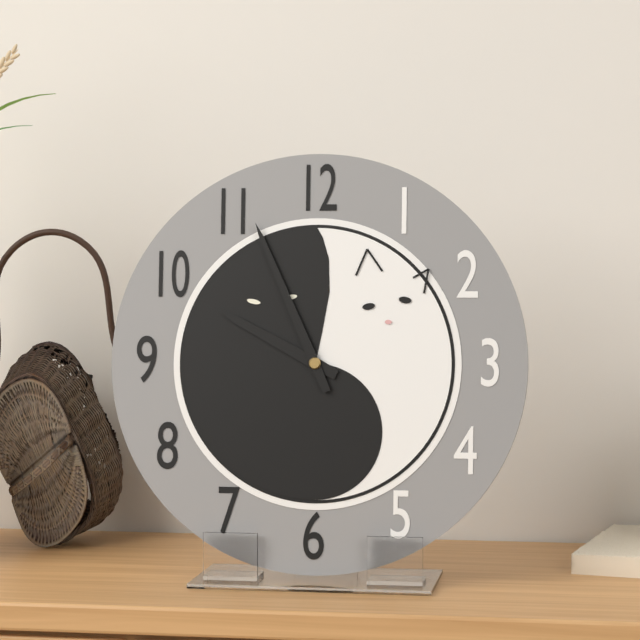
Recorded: h=9 m=56
